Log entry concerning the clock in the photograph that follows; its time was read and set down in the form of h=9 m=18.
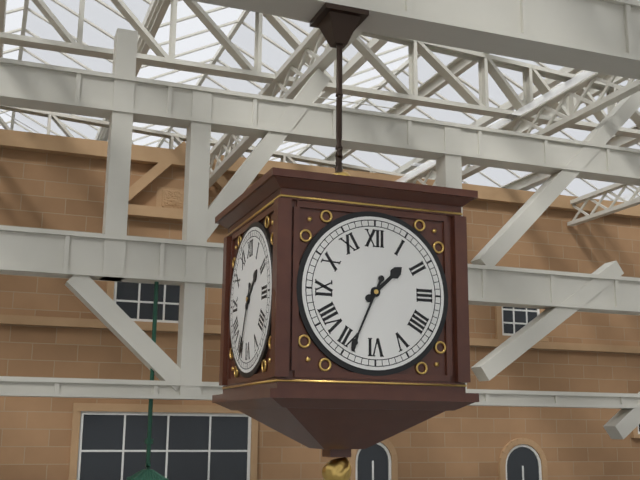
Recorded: h=1 m=34
